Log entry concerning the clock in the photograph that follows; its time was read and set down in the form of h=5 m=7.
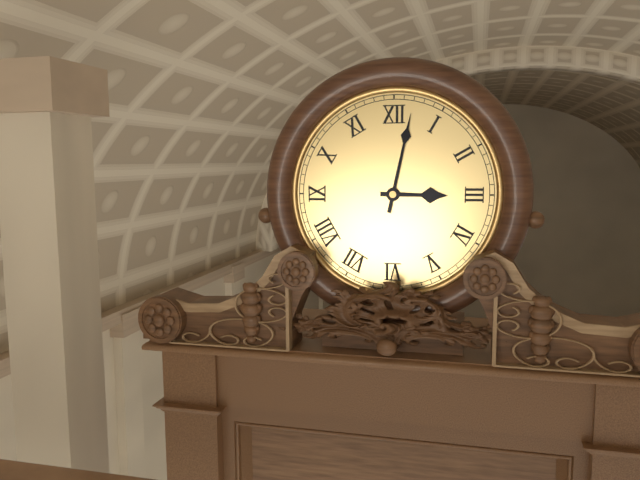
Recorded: h=3 m=2
